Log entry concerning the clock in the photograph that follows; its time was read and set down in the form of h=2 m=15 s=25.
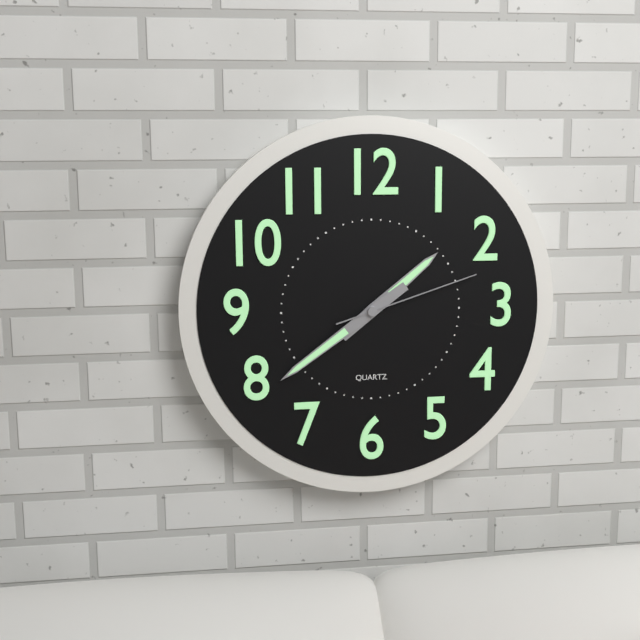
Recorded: h=1 m=39 s=12
